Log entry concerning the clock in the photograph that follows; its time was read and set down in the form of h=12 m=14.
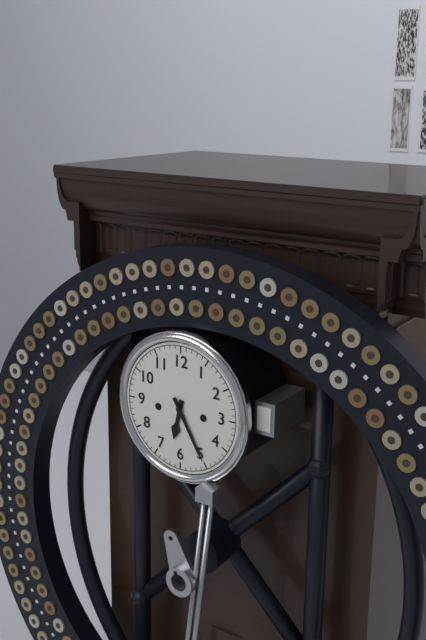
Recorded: h=6 m=25
